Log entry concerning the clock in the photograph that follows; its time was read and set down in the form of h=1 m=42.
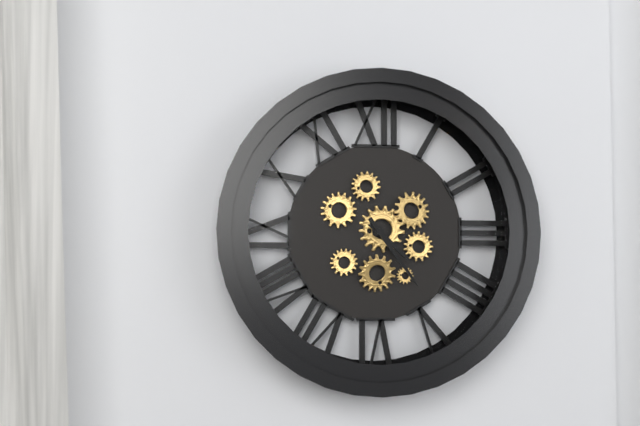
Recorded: h=4 m=24
